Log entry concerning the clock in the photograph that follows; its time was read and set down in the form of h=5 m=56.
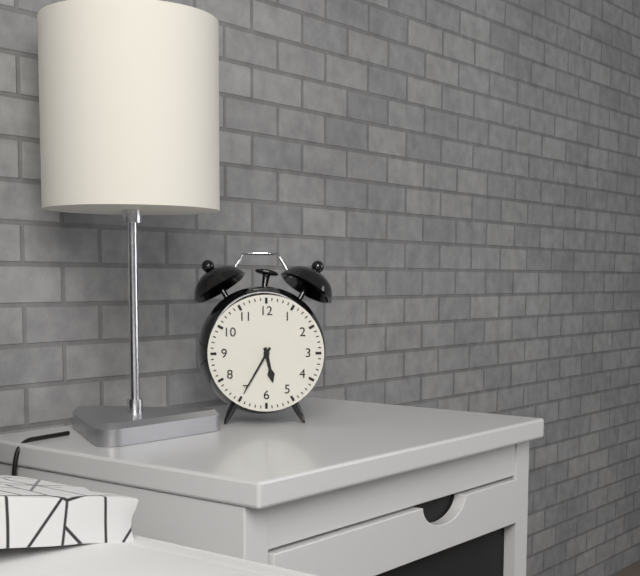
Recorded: h=5 m=35
